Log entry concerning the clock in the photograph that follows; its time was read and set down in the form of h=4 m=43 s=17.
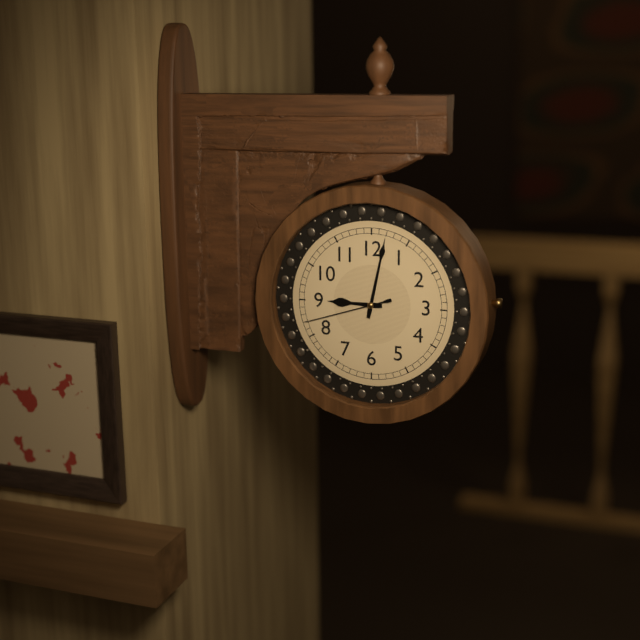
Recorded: h=9 m=2 s=42
